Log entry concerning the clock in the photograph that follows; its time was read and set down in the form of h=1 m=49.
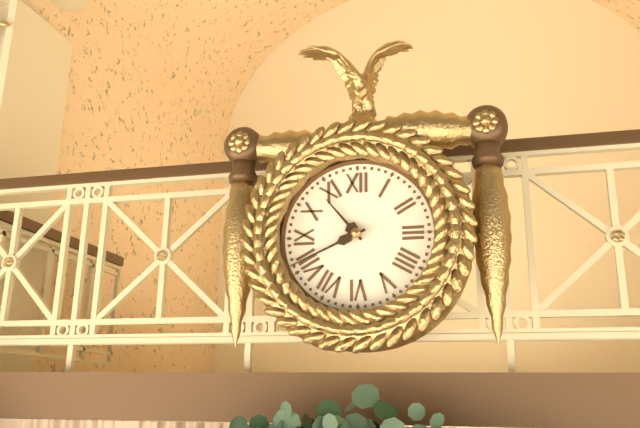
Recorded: h=10 m=41
